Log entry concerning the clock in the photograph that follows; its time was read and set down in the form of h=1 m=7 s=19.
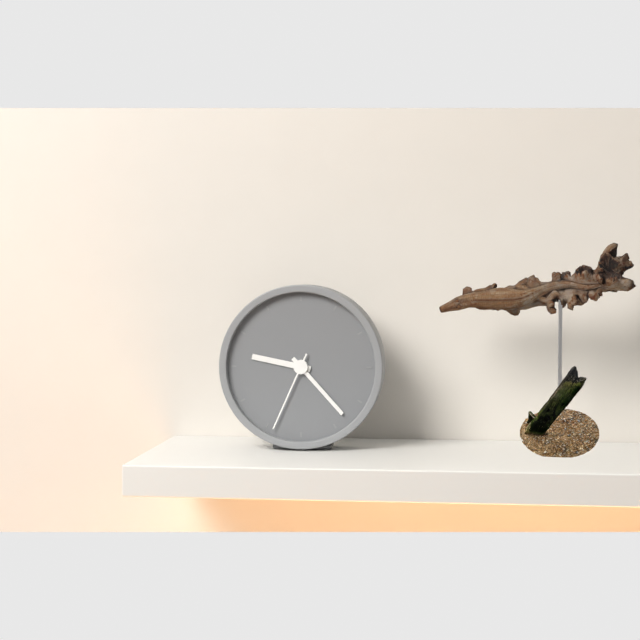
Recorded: h=9 m=23 s=34
